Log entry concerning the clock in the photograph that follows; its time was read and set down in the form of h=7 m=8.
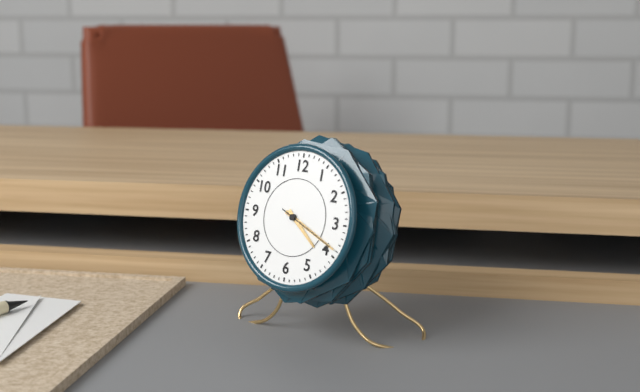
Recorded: h=4 m=19
